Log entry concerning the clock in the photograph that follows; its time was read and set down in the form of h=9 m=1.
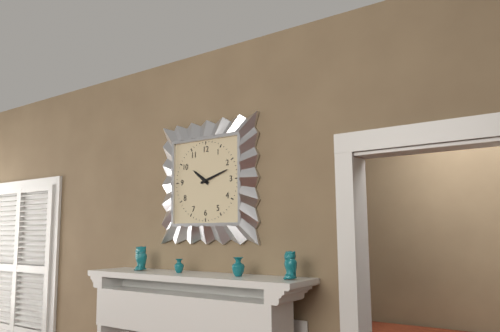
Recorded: h=10 m=12
